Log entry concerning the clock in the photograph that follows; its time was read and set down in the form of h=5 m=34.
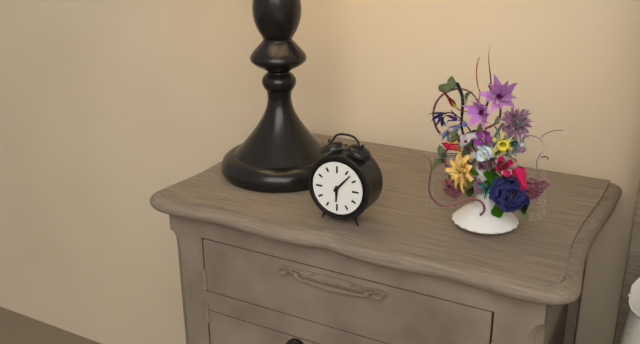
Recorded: h=6 m=7
